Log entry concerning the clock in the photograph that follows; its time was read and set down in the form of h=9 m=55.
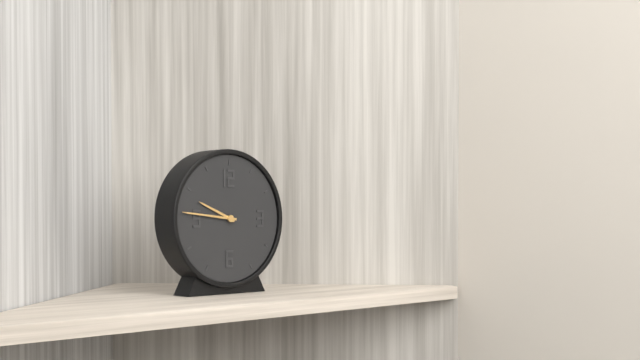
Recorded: h=9 m=46
